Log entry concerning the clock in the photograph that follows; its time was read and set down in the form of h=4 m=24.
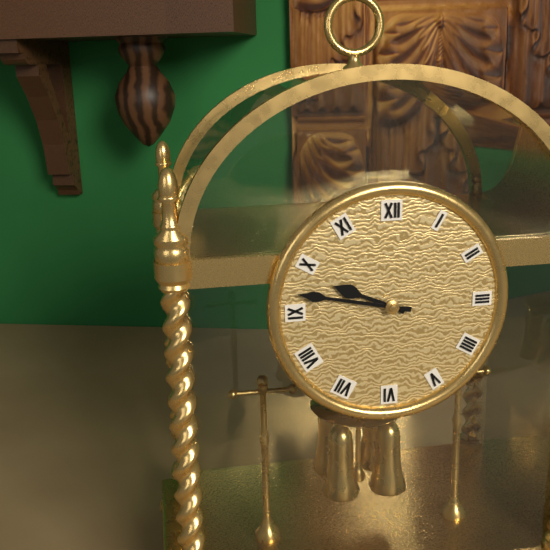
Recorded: h=9 m=47
